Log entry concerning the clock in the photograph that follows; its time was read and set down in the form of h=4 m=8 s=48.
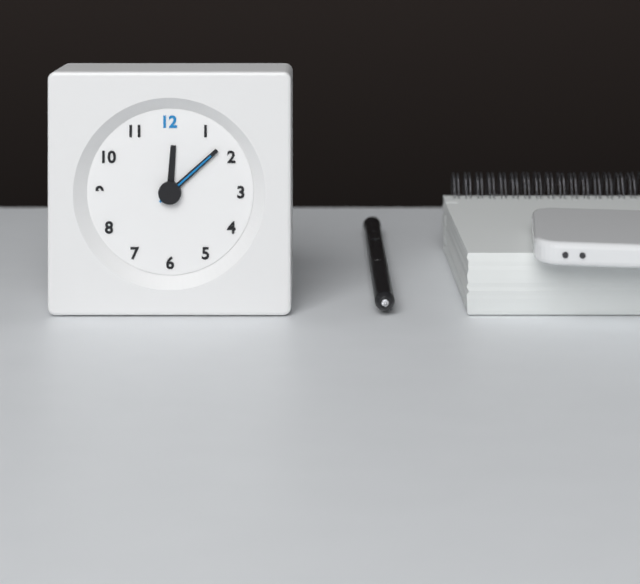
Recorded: h=12 m=8 s=8
